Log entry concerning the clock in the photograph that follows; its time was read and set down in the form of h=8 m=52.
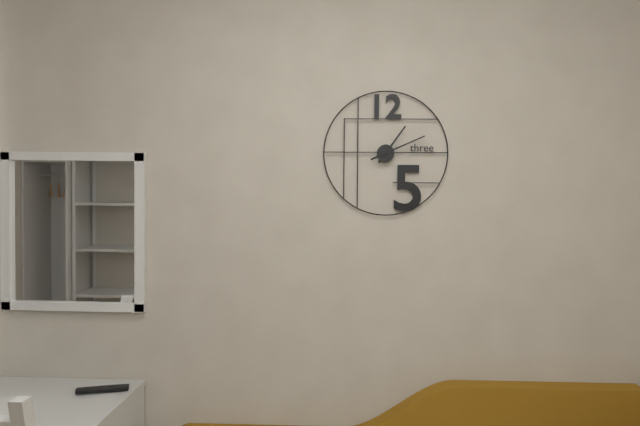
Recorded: h=1 m=11
